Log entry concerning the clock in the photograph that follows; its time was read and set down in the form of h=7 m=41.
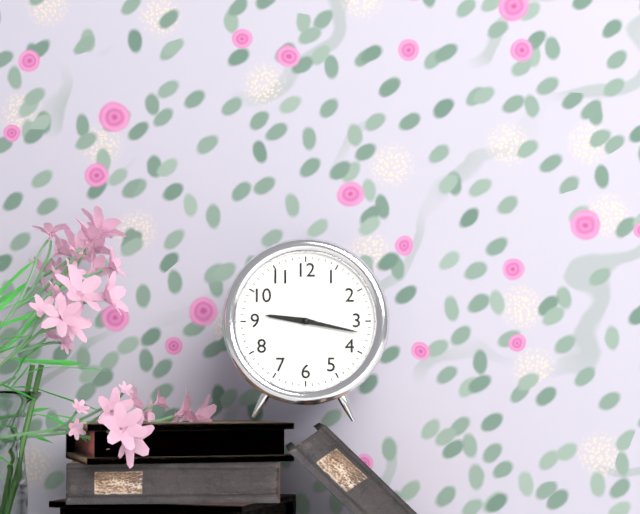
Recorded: h=9 m=17
